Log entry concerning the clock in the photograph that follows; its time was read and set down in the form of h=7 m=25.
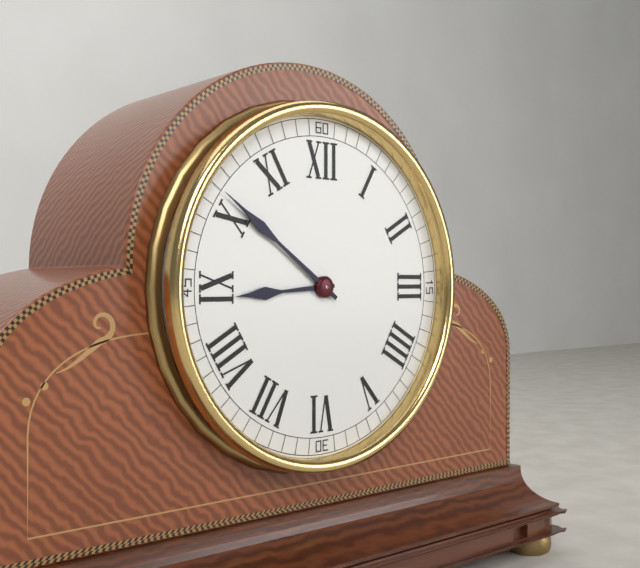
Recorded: h=8 m=51
